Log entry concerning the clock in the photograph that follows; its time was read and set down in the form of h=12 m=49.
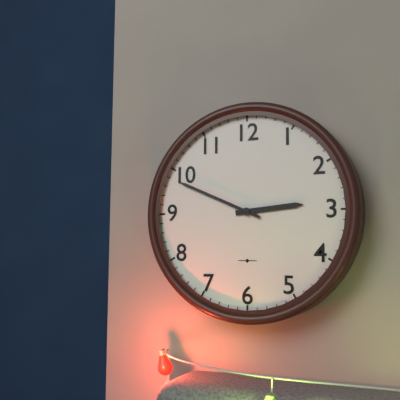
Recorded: h=2 m=49
